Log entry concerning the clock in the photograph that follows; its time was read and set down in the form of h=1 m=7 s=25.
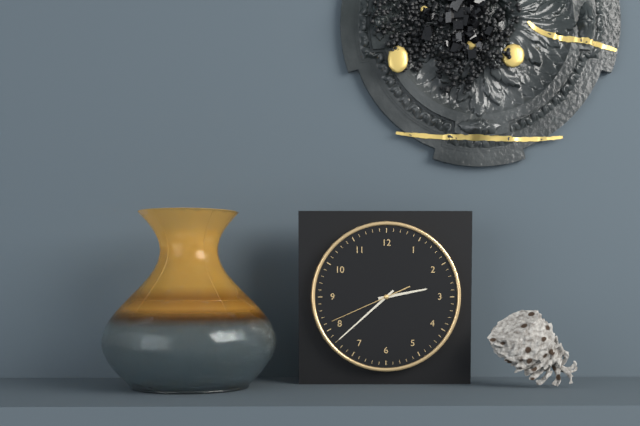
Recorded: h=2 m=38 s=41
